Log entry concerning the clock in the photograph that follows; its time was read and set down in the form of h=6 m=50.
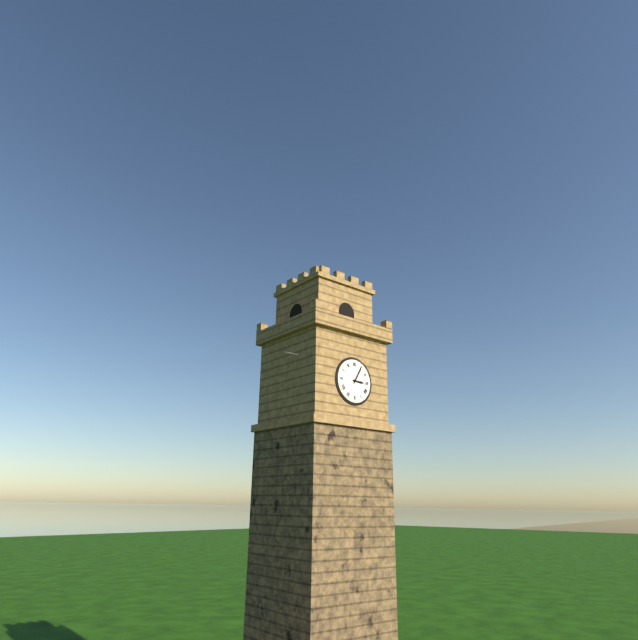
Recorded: h=3 m=5
